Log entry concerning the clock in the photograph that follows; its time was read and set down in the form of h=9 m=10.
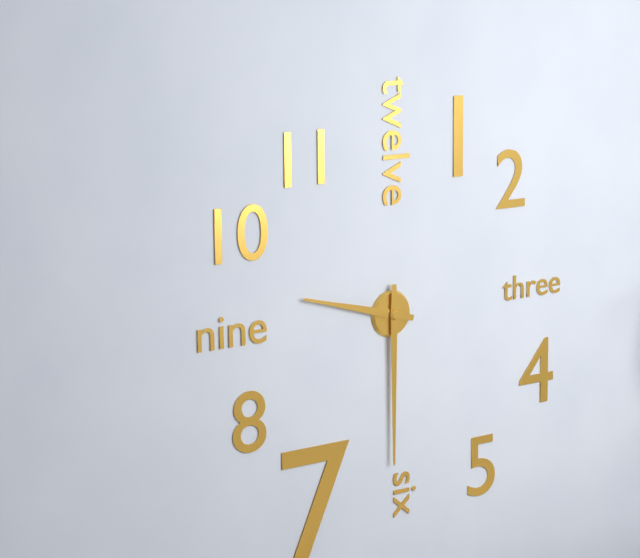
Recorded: h=9 m=30
